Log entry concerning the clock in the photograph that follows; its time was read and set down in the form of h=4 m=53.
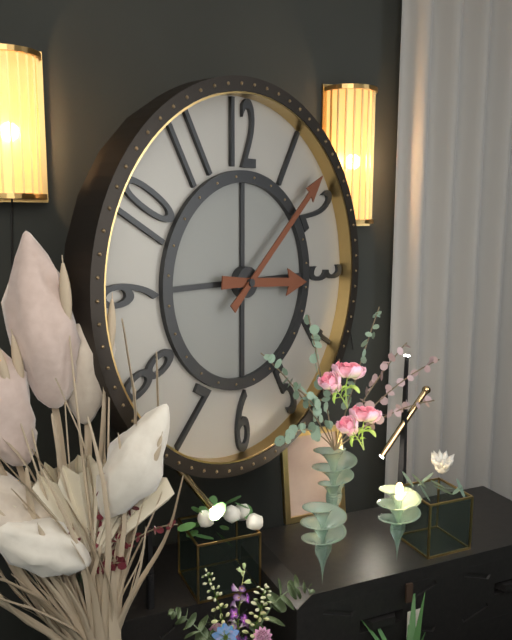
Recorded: h=3 m=8
